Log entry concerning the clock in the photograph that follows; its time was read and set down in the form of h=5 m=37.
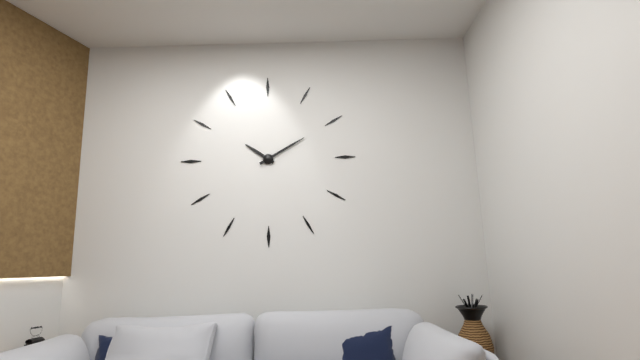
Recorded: h=10 m=10
